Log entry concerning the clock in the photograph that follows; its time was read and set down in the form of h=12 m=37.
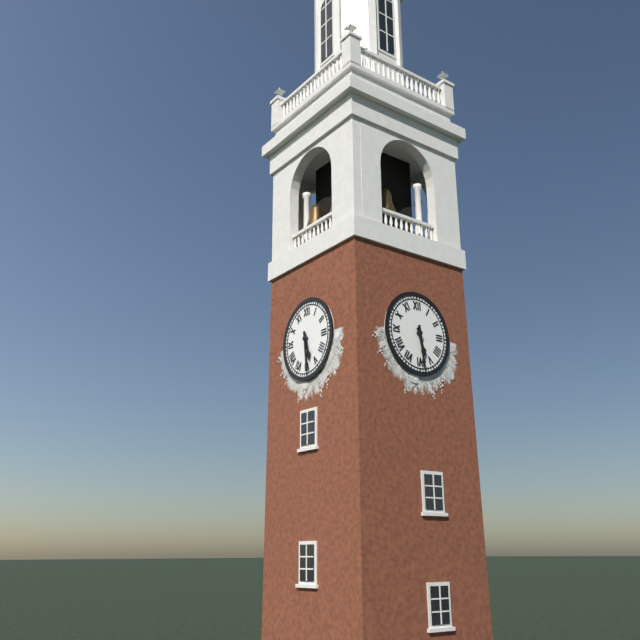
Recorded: h=5 m=29
